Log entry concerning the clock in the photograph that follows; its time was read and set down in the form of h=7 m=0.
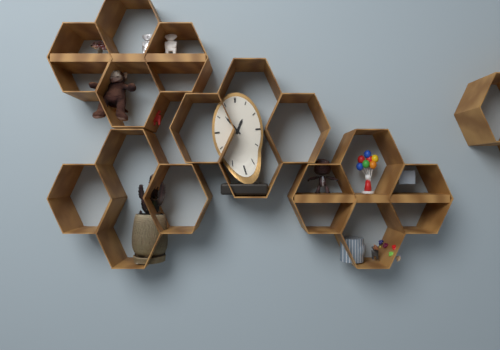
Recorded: h=12 m=54
